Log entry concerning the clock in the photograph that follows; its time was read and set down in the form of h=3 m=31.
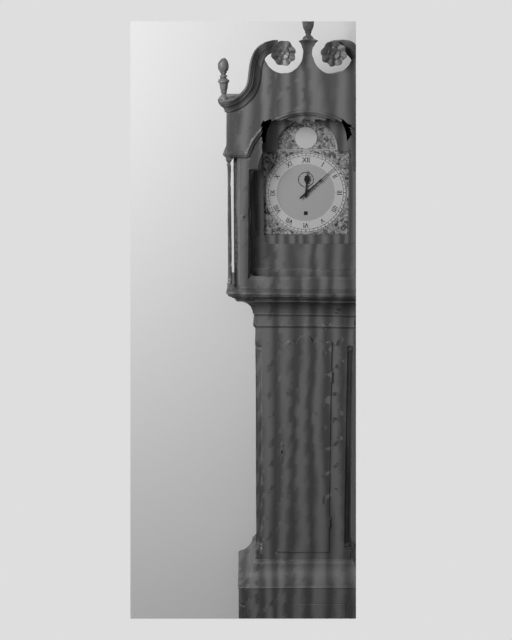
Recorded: h=12 m=8
